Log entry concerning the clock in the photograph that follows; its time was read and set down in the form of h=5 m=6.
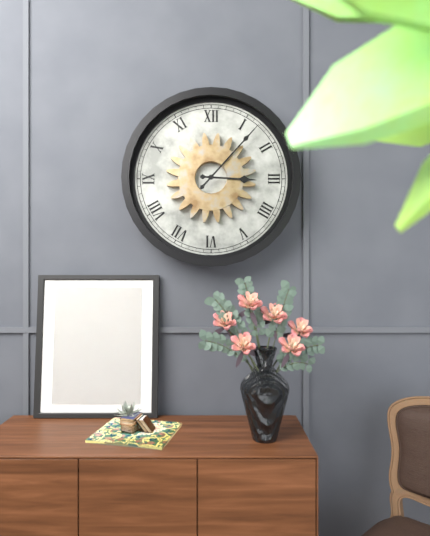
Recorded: h=3 m=7
